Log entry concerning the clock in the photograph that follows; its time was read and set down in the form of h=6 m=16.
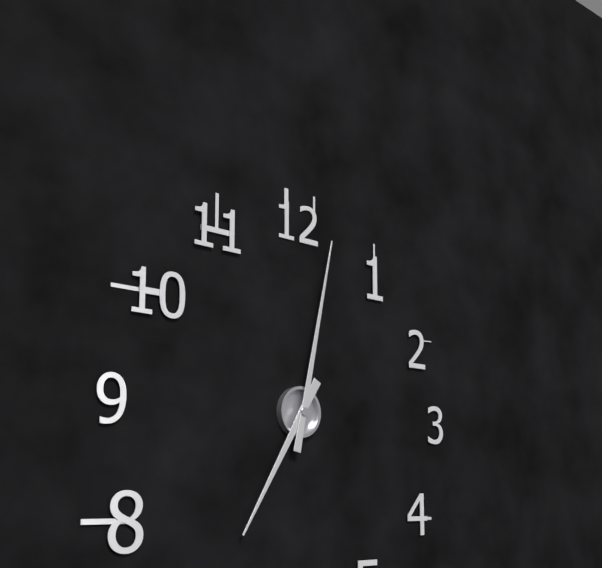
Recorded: h=7 m=2
